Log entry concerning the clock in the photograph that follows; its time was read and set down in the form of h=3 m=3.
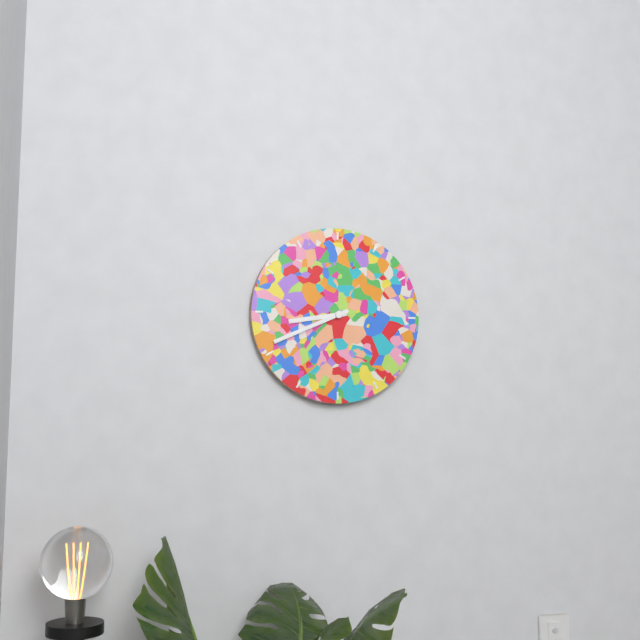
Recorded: h=8 m=41
